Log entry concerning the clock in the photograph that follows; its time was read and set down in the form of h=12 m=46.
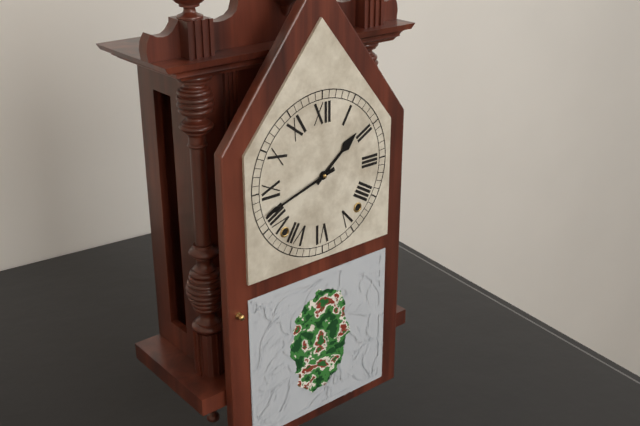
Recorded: h=1 m=42
